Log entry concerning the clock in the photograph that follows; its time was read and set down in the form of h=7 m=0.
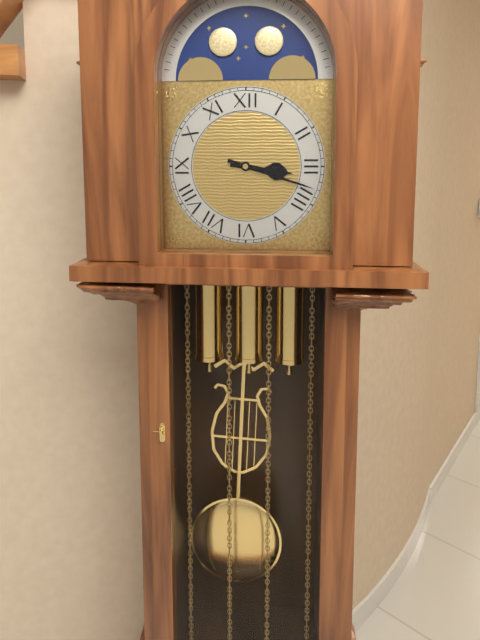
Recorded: h=3 m=18
